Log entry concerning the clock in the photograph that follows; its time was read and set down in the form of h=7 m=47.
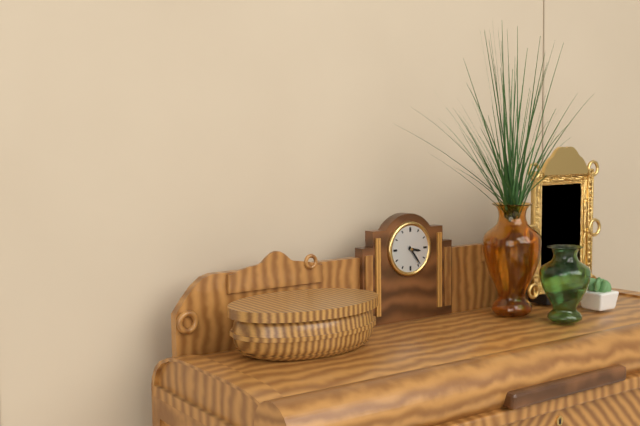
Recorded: h=3 m=24
